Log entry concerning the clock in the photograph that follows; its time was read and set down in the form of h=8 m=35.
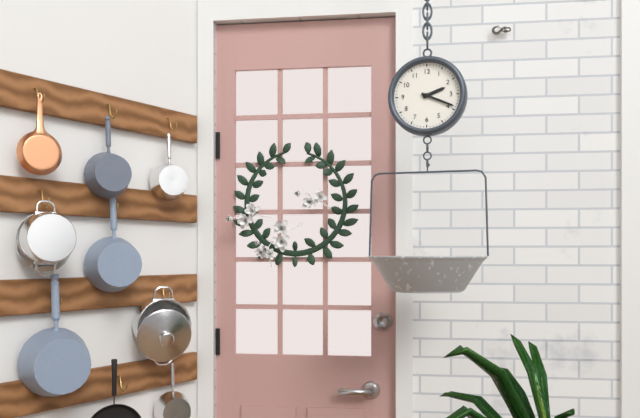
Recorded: h=2 m=19
